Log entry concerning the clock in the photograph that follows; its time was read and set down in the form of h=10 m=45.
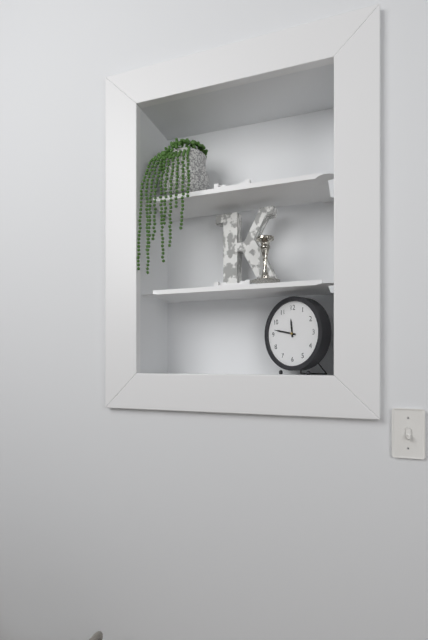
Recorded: h=11 m=47
